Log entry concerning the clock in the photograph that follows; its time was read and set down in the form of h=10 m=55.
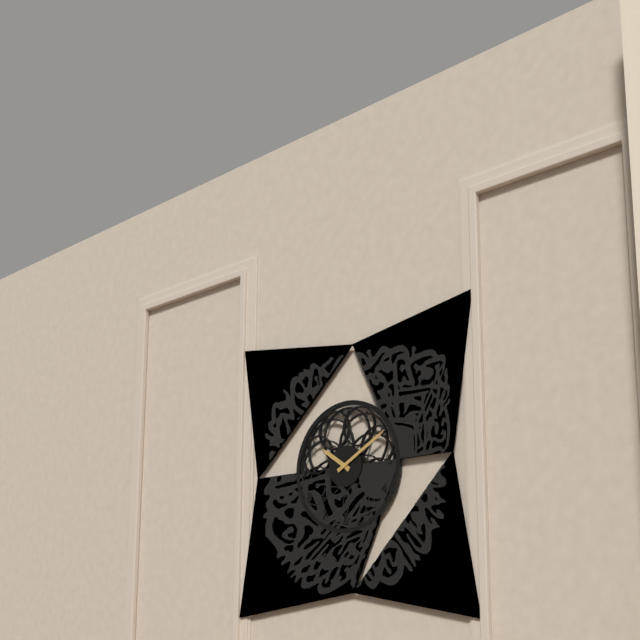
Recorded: h=10 m=10
